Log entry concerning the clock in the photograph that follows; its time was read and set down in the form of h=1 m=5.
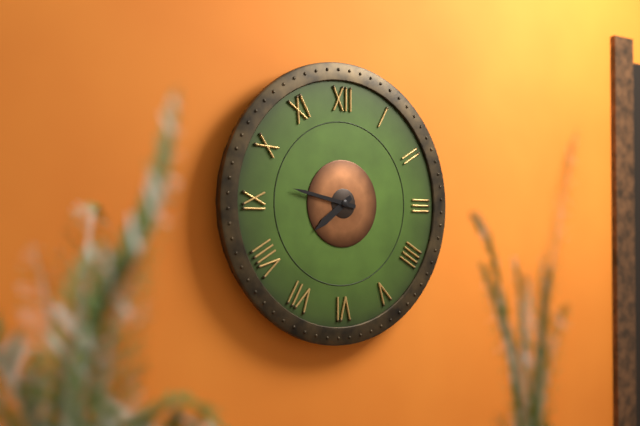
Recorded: h=7 m=47
